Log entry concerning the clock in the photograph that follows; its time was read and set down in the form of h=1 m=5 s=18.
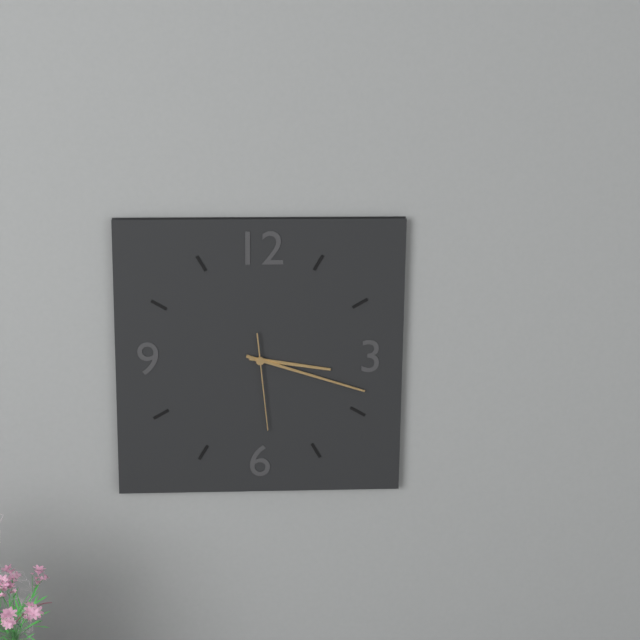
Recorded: h=3 m=18 s=29
